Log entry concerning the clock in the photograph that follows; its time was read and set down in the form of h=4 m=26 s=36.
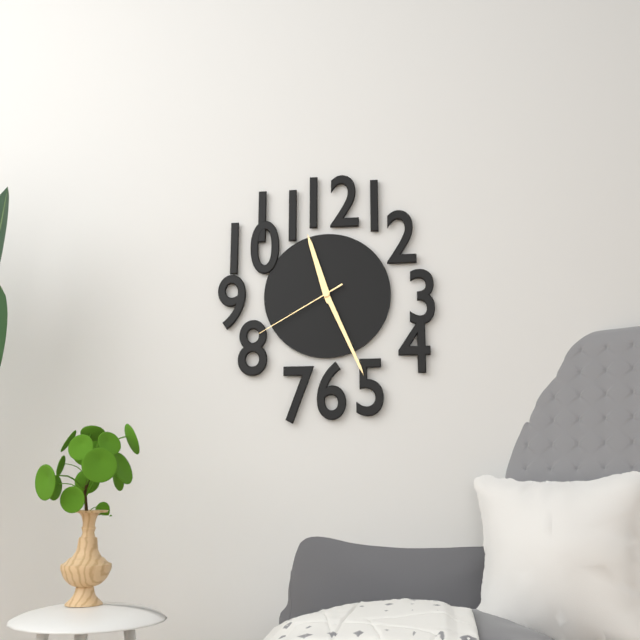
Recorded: h=11 m=26 s=40
